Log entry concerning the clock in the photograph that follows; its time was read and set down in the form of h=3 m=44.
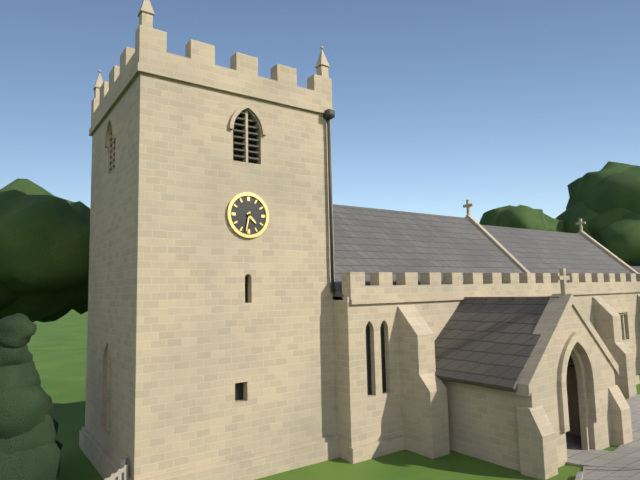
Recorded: h=4 m=32
